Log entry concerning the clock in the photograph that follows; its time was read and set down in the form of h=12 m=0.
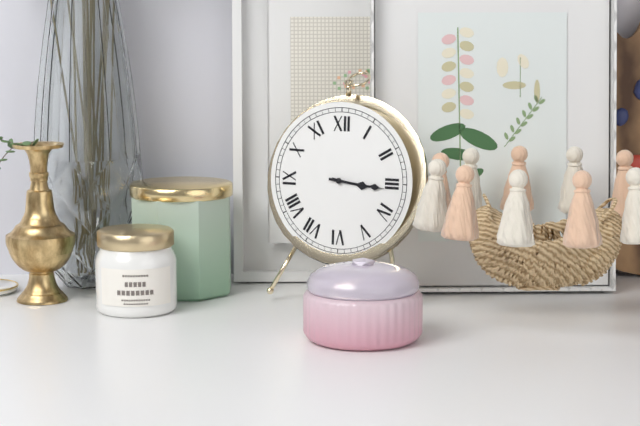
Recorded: h=3 m=16
